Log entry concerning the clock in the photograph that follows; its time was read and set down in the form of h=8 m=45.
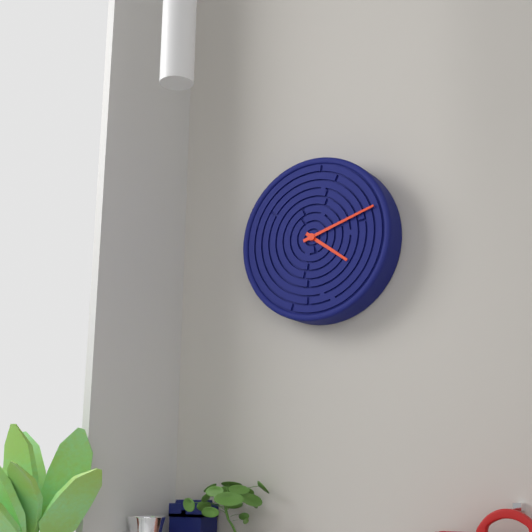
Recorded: h=4 m=12
